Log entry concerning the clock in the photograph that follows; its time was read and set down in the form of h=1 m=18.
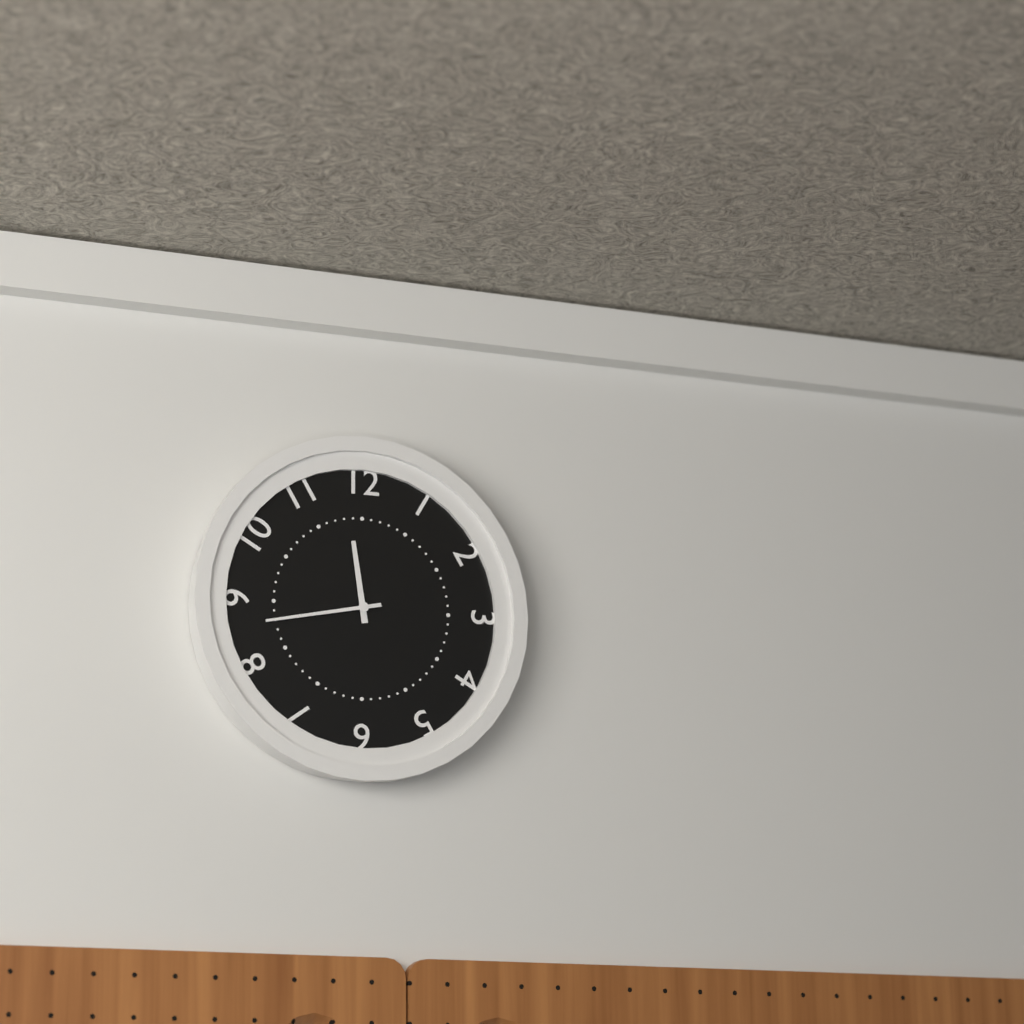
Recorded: h=11 m=43
